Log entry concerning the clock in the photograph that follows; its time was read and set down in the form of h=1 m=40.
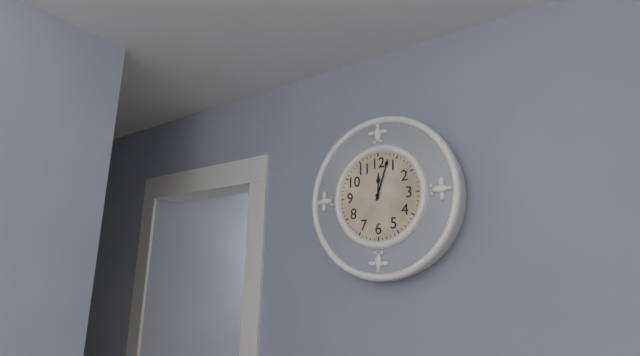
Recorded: h=12 m=3
